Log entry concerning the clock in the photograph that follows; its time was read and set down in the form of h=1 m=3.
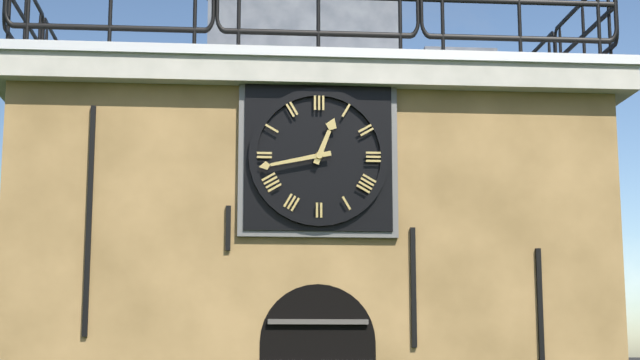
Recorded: h=12 m=43
